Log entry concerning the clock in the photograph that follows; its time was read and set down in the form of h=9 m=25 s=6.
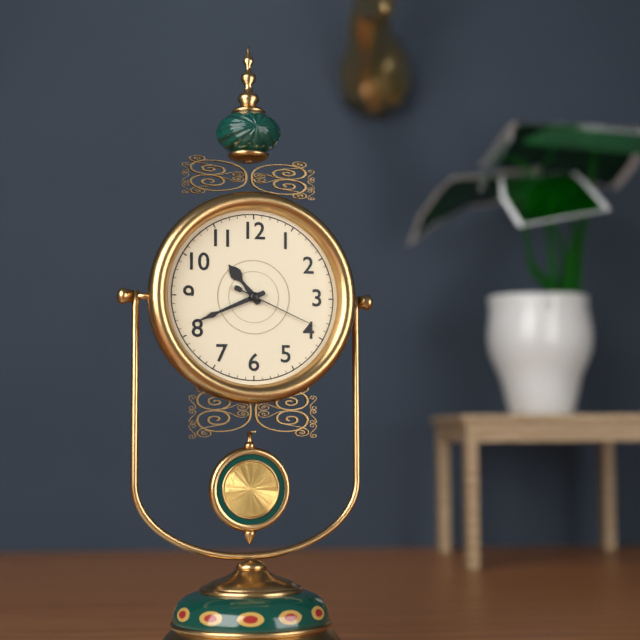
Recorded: h=10 m=41 s=19
